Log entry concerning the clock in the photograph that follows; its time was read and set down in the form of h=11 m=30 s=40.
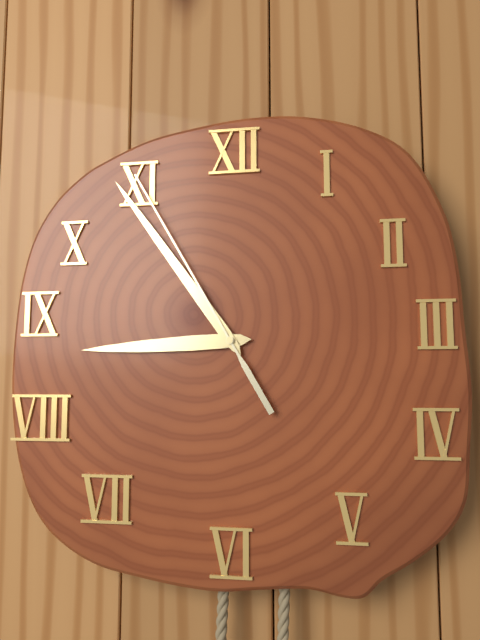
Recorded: h=8 m=54 s=55
